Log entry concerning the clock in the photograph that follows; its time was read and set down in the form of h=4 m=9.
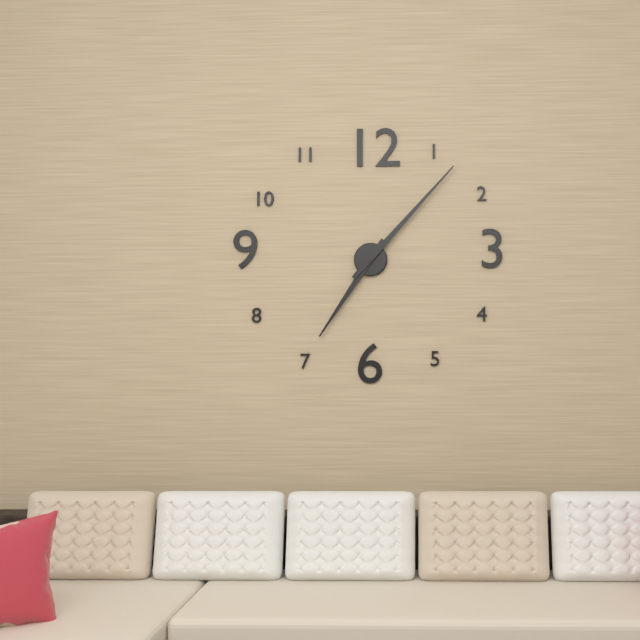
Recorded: h=7 m=7
